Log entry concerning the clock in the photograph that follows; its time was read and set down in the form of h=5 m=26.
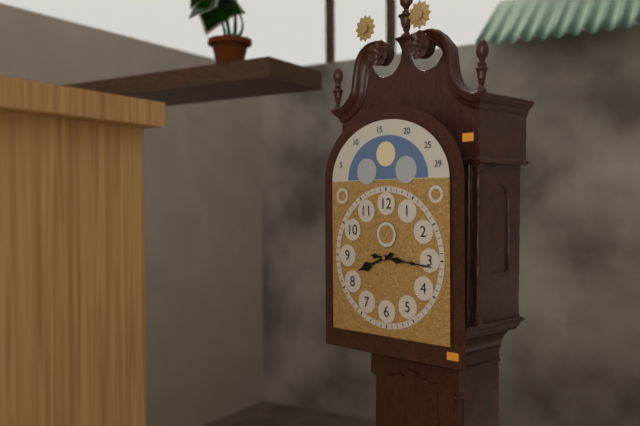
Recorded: h=8 m=16
